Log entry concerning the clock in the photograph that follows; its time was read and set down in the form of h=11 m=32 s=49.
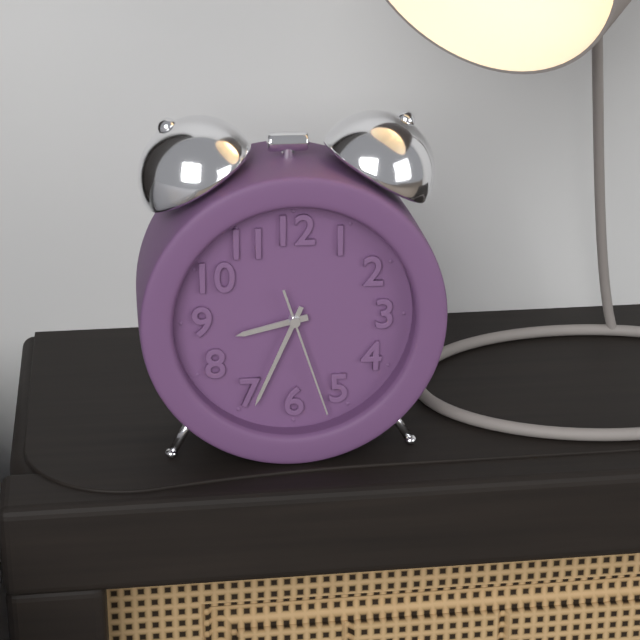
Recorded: h=8 m=34 s=27
